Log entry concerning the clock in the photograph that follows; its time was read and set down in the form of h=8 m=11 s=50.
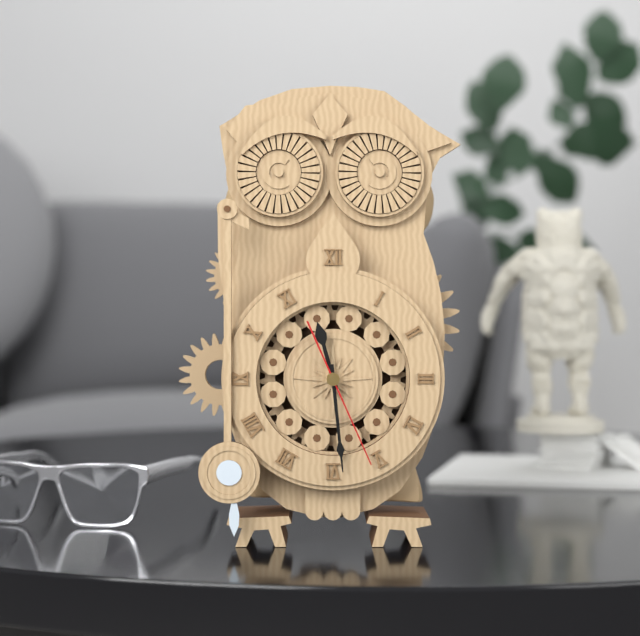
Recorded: h=11 m=29 s=26
